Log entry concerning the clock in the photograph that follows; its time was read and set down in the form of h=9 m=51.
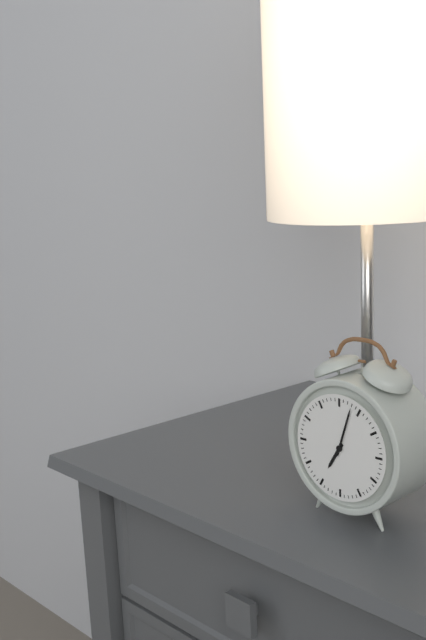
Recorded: h=7 m=3
